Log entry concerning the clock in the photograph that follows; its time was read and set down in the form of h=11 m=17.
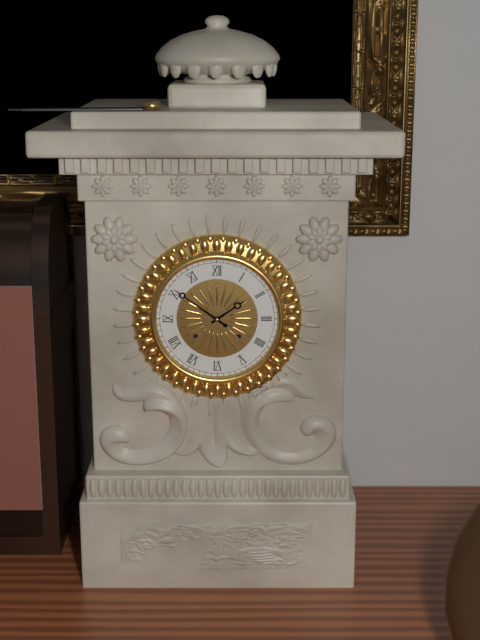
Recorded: h=1 m=51
